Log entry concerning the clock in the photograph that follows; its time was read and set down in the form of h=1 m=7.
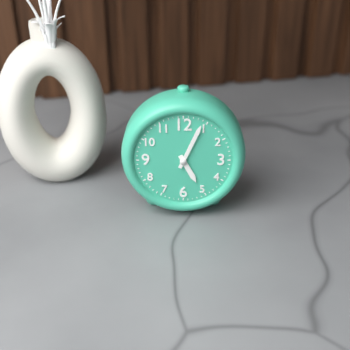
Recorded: h=5 m=4
